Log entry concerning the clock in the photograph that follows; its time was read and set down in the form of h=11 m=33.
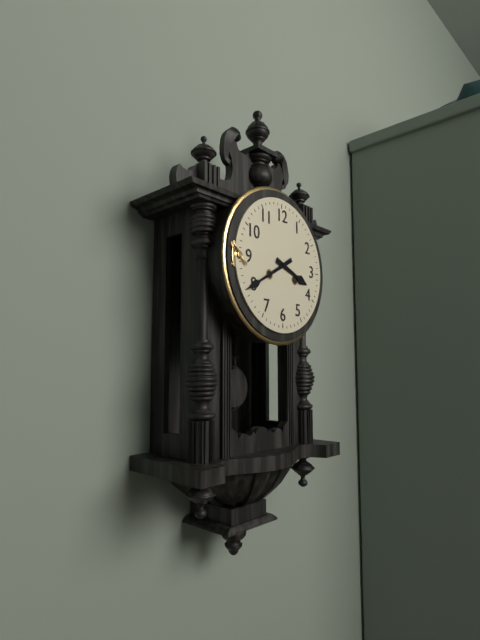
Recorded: h=3 m=40
